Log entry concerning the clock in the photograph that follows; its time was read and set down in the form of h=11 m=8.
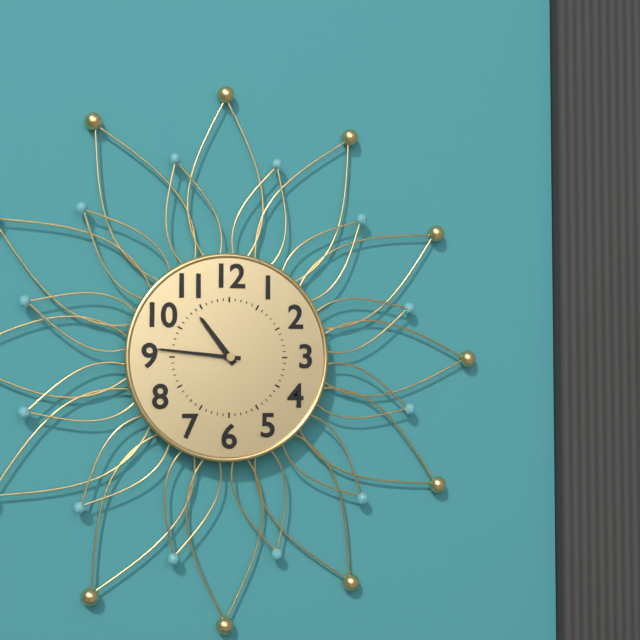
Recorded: h=10 m=46
